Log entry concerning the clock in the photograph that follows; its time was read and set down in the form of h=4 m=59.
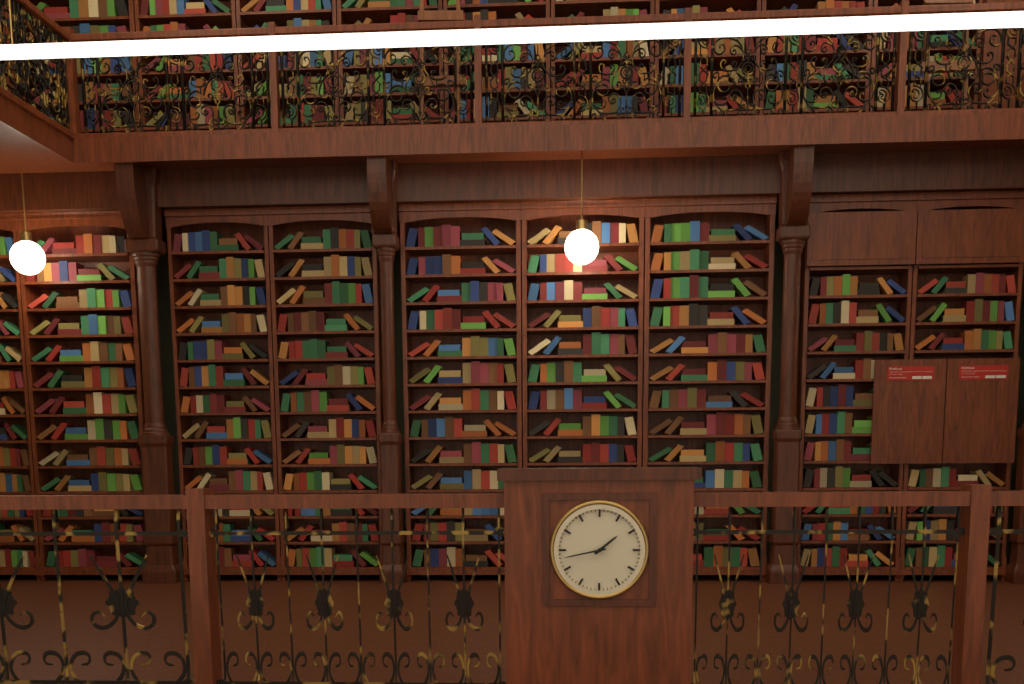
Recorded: h=1 m=43
